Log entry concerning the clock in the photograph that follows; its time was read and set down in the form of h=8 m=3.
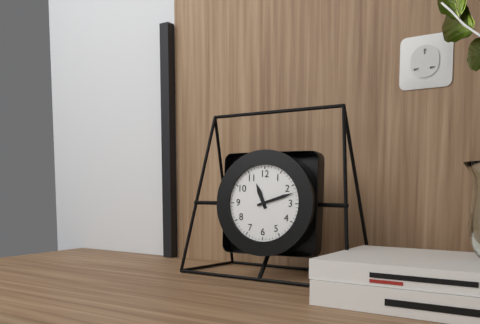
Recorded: h=11 m=12
